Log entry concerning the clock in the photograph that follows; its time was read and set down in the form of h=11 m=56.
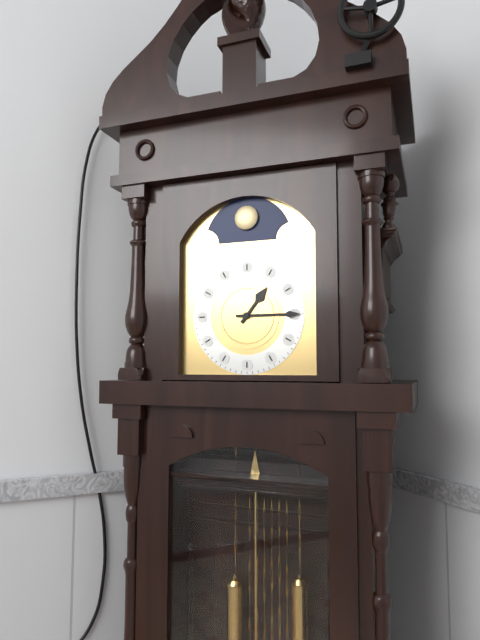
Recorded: h=1 m=15
